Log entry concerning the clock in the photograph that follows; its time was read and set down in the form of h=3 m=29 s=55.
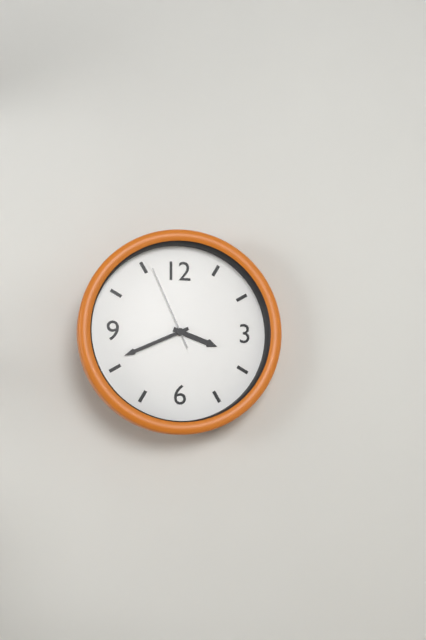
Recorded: h=3 m=41 s=56
